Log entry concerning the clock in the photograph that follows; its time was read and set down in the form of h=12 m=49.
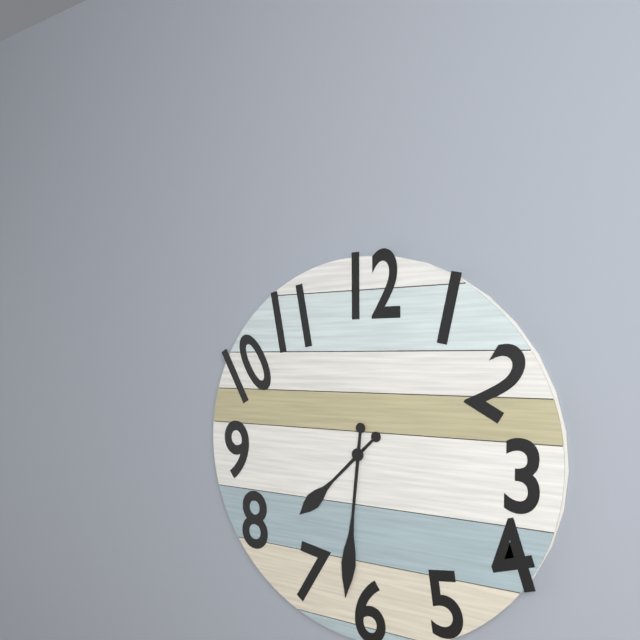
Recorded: h=7 m=31
